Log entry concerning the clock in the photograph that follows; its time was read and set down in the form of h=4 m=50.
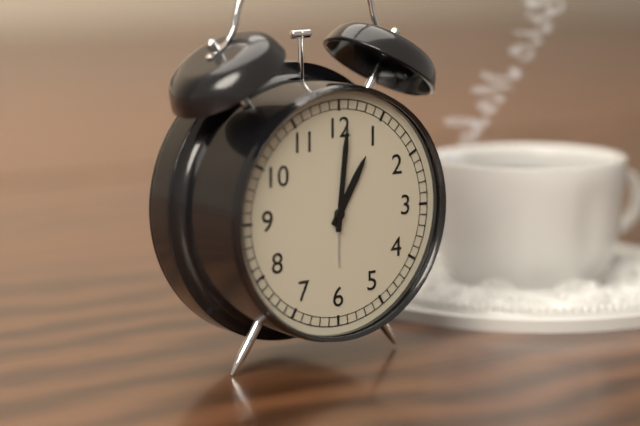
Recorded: h=1 m=1
